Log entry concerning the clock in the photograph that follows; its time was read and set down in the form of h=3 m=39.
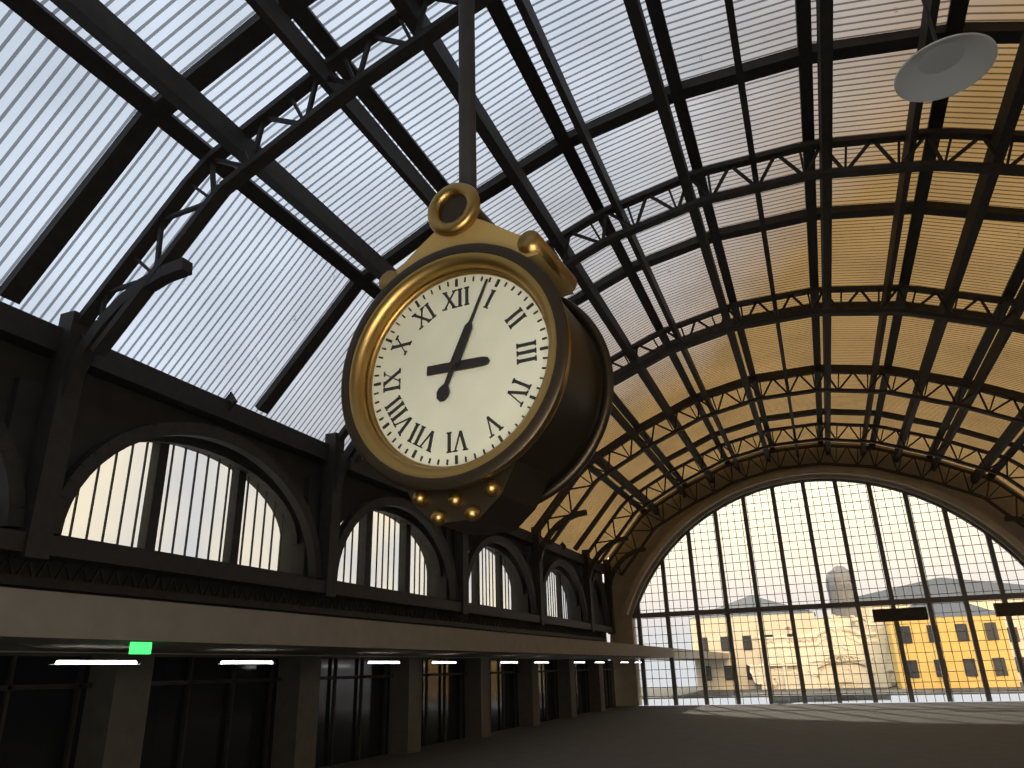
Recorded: h=3 m=4
